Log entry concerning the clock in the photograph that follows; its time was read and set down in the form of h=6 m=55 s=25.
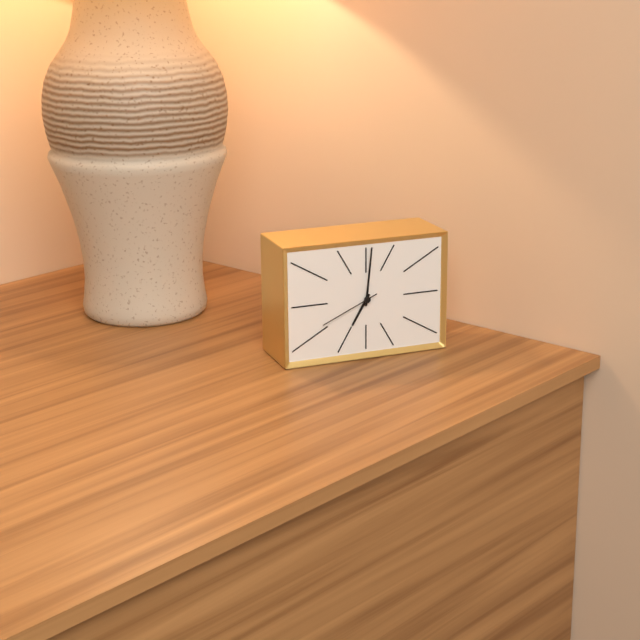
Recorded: h=7 m=1 s=41
